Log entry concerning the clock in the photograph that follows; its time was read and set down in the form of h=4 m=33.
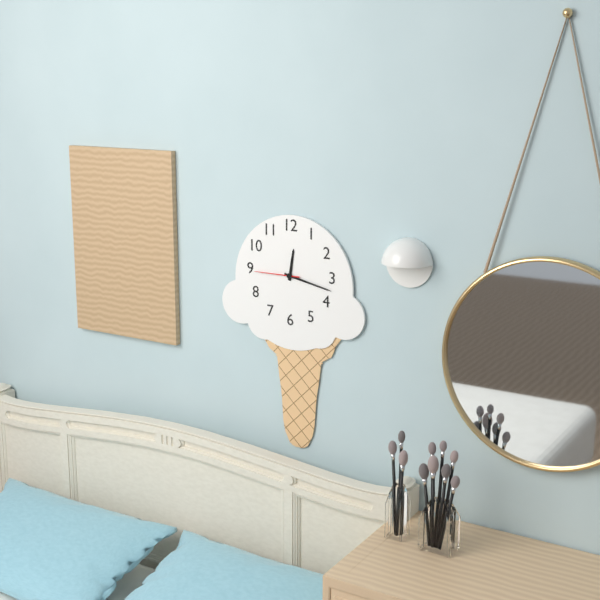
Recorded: h=12 m=17
